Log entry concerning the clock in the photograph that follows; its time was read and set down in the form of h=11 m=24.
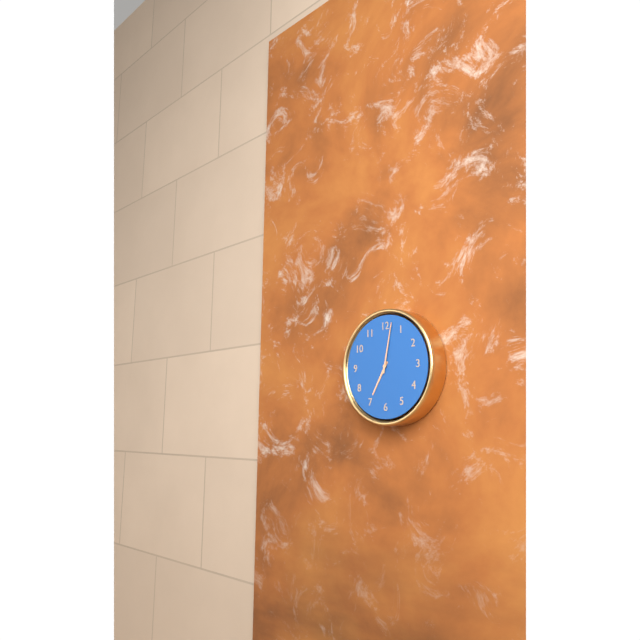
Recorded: h=7 m=2
